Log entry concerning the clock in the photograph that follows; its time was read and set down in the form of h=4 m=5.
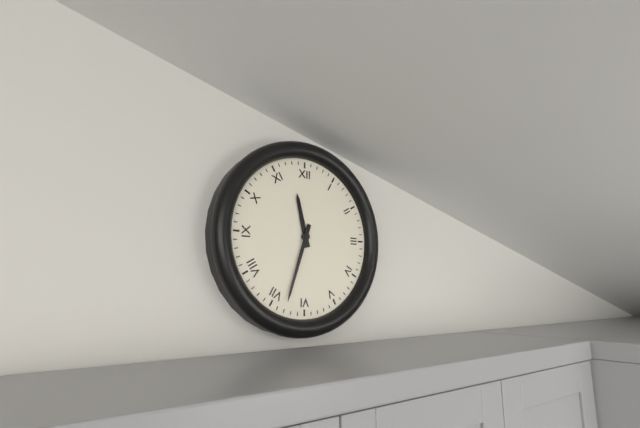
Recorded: h=11 m=33
